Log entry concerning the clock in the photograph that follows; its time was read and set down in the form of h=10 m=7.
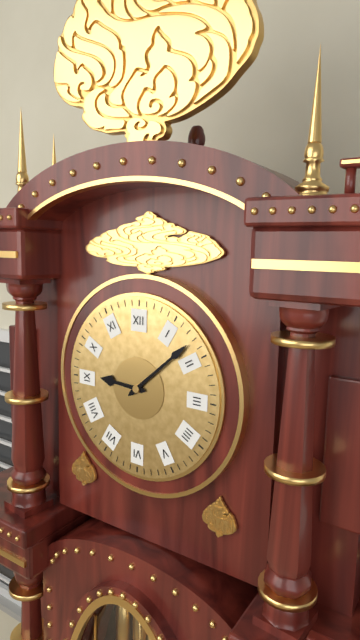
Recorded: h=9 m=8
